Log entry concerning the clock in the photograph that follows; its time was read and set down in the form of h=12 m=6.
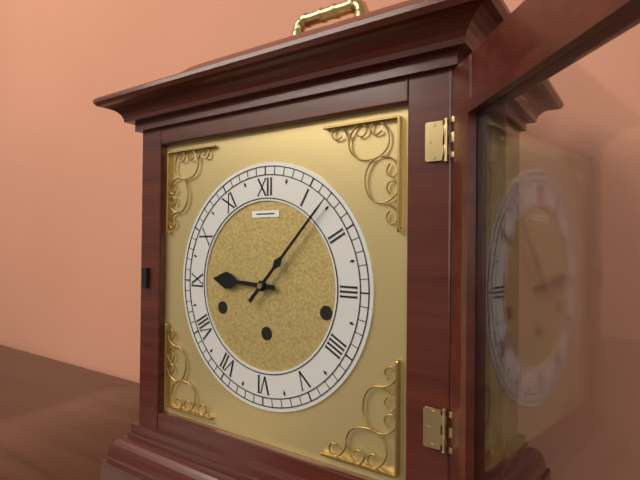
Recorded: h=9 m=7
